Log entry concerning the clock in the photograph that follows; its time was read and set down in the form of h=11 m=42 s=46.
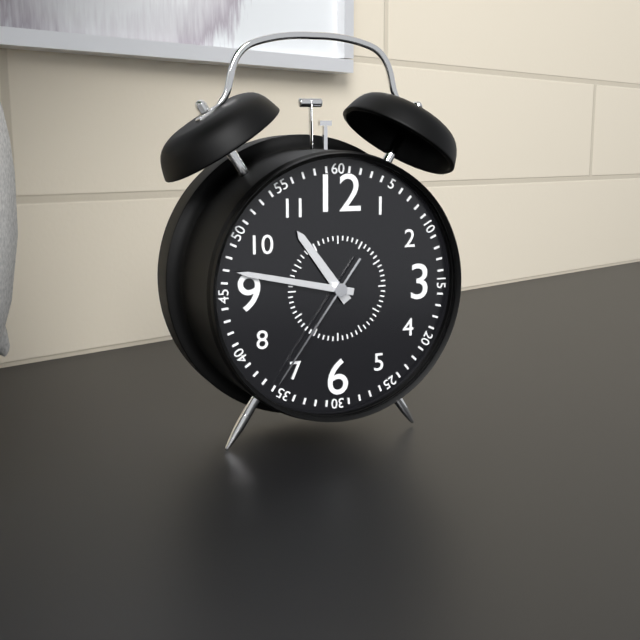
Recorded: h=10 m=47 s=36
